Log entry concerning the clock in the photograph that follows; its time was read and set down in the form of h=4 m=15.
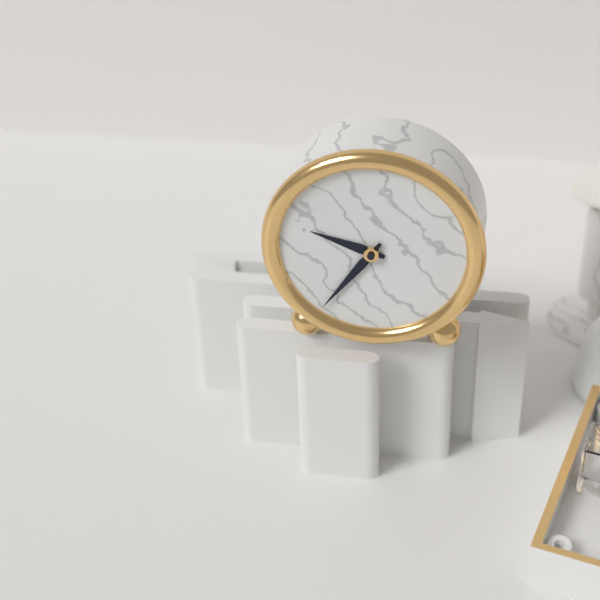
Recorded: h=9 m=36
